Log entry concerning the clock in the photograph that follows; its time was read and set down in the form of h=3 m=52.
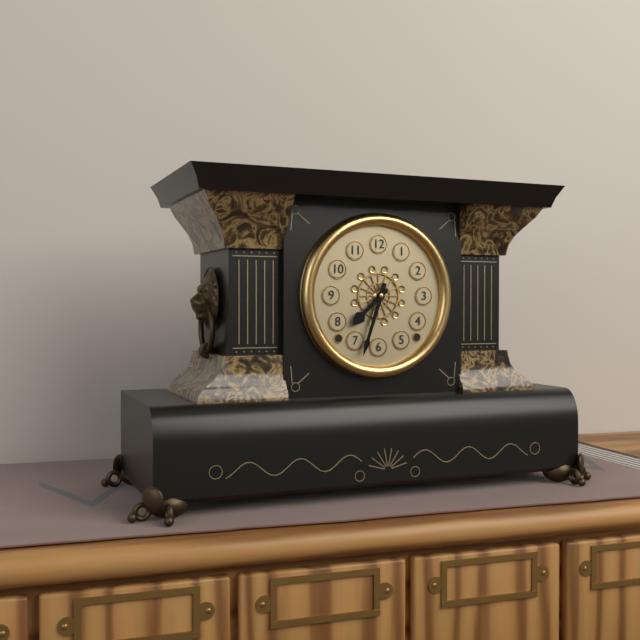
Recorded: h=7 m=33
